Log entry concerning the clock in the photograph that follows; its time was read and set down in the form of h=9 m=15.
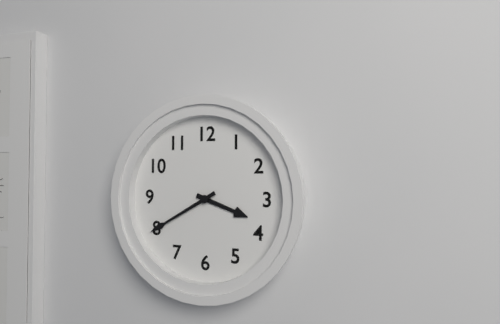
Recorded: h=3 m=40
